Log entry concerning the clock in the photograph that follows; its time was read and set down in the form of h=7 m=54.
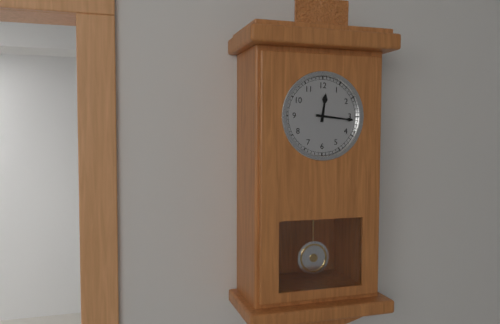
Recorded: h=12 m=16
